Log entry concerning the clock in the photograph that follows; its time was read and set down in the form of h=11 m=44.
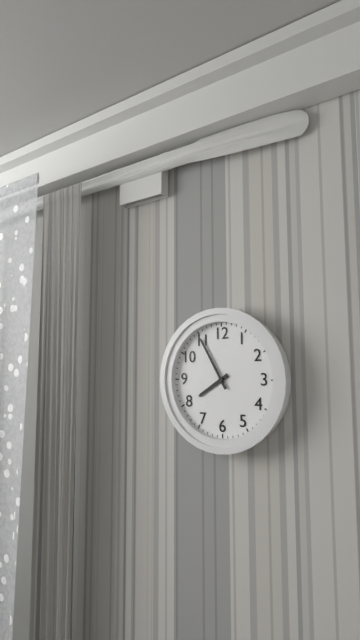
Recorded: h=7 m=55
